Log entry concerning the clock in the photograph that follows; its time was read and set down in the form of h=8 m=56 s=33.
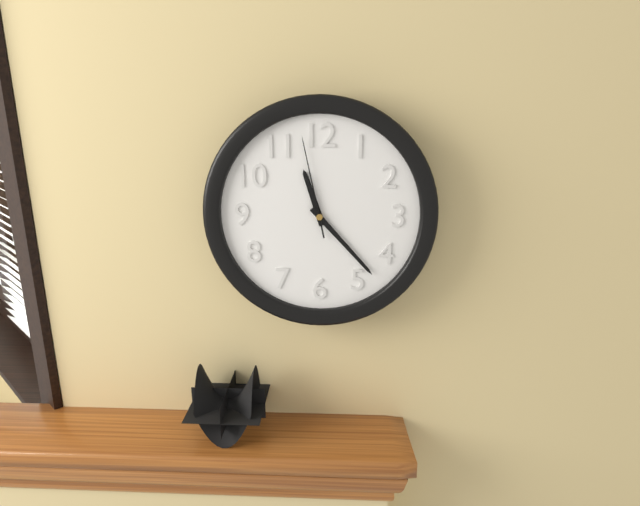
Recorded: h=11 m=23 s=58
